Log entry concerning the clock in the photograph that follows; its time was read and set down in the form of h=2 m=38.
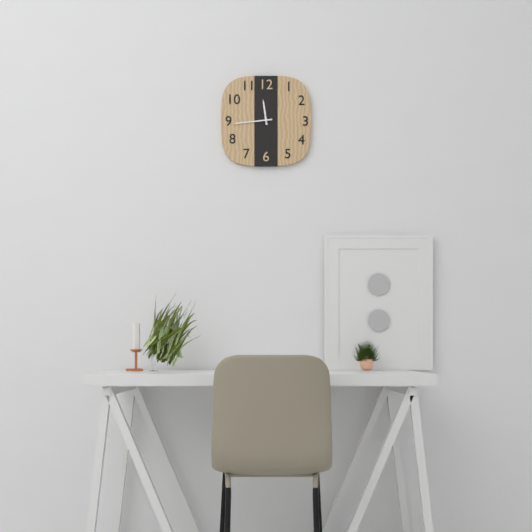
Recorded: h=11 m=44
